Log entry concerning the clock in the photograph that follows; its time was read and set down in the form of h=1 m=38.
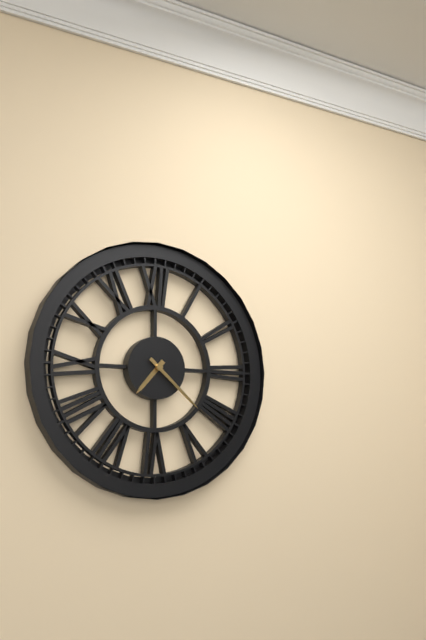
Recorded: h=7 m=22
